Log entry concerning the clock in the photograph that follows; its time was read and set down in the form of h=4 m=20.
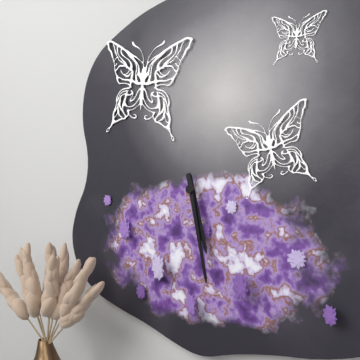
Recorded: h=5 m=28
